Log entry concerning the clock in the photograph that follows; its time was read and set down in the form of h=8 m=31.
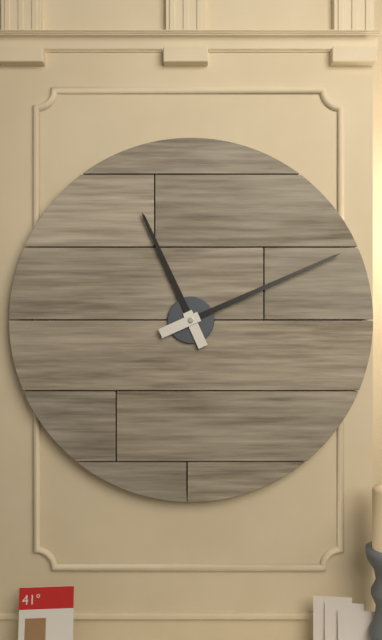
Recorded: h=11 m=11
